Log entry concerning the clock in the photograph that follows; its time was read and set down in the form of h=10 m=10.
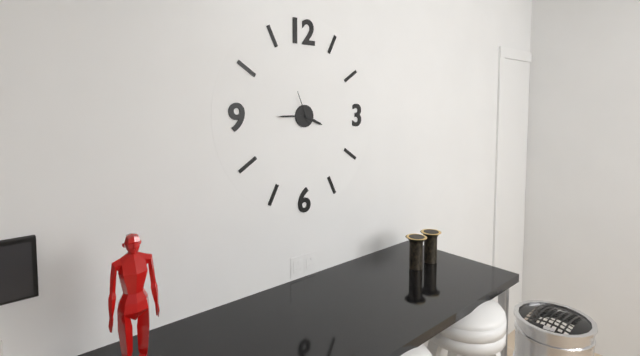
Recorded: h=3 m=45
